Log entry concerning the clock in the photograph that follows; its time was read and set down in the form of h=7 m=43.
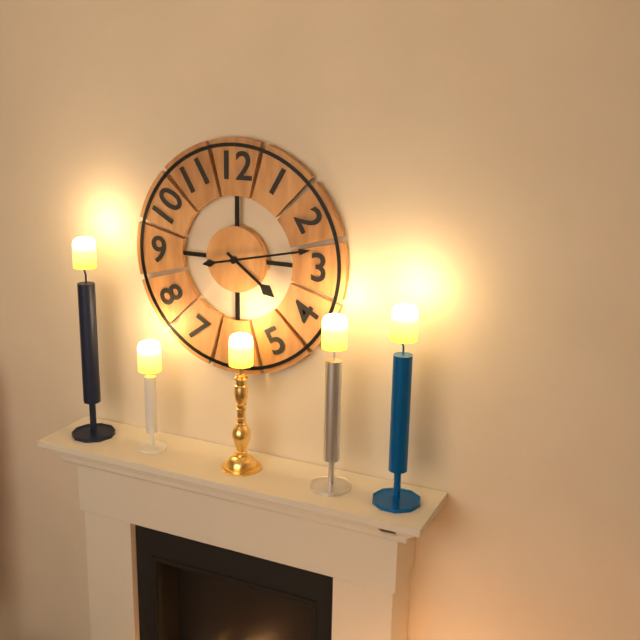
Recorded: h=4 m=13
